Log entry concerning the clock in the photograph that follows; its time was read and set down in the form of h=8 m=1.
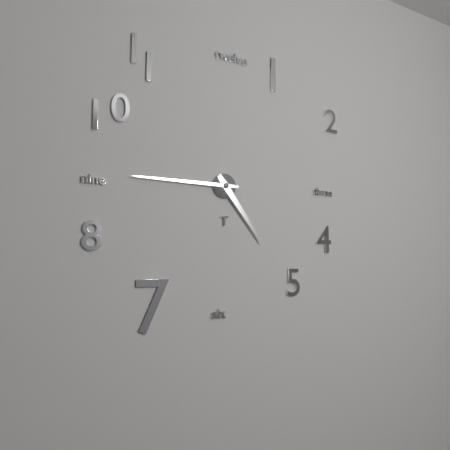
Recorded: h=4 m=45
